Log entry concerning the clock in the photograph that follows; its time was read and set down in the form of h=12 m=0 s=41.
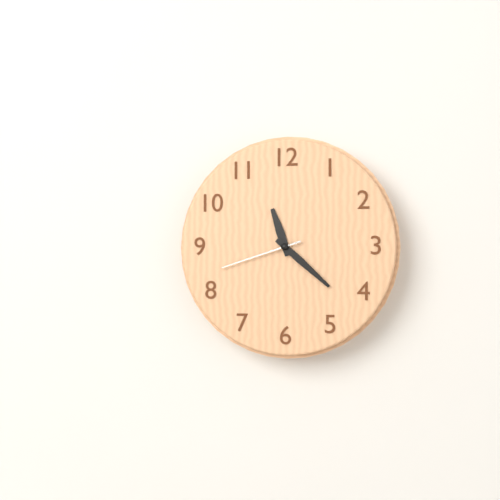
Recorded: h=11 m=22 s=42
